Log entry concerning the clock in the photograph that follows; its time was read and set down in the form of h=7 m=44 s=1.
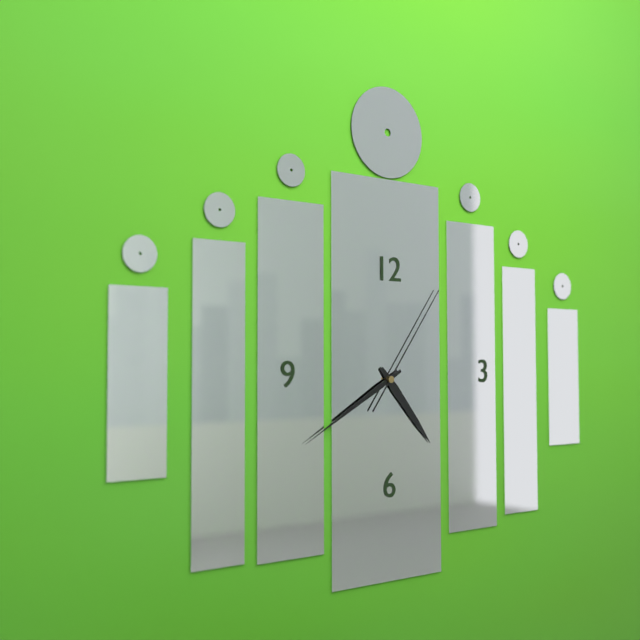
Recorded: h=4 m=40 s=6
